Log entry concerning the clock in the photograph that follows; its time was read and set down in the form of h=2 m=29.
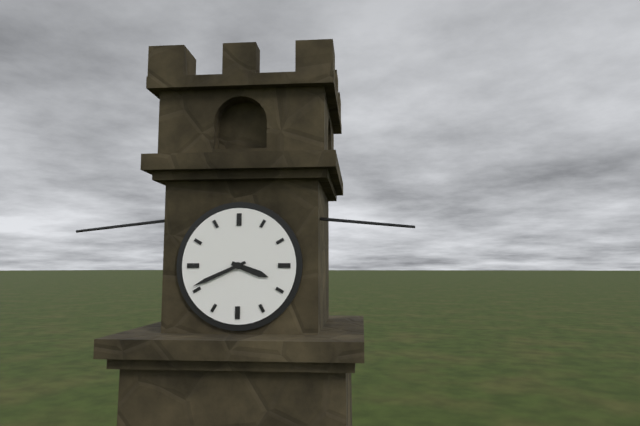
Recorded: h=3 m=41
